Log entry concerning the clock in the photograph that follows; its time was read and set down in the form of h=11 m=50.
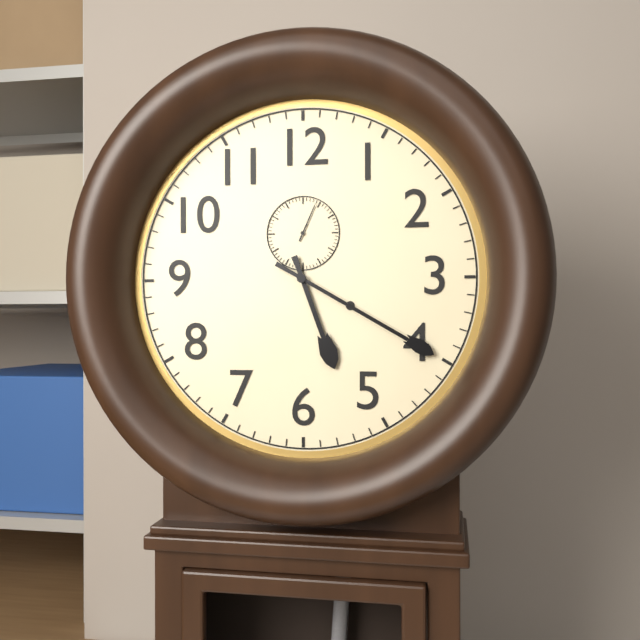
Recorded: h=5 m=20
